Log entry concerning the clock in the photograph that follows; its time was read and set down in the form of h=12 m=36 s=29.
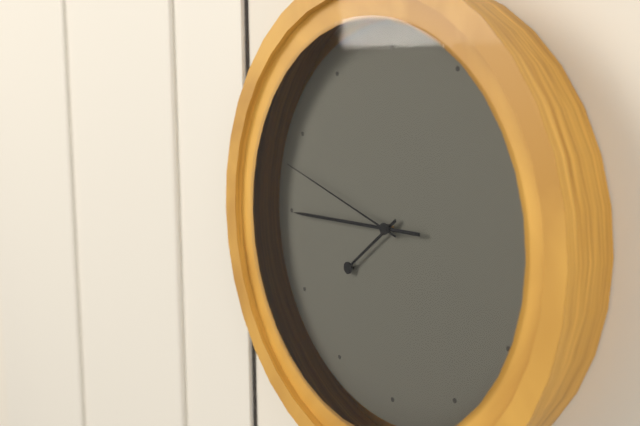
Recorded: h=7 m=45 s=48
